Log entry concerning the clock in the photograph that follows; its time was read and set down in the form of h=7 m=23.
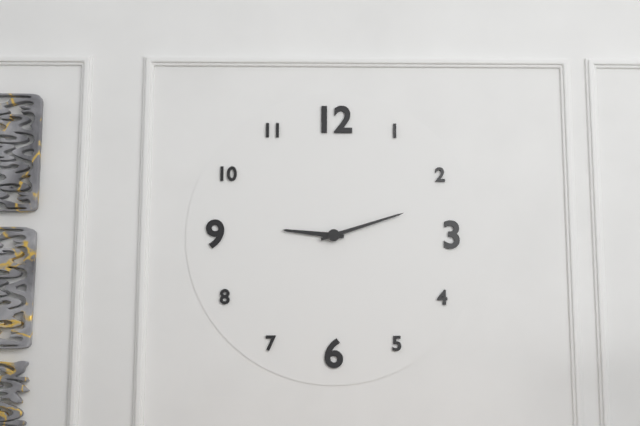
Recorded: h=9 m=12
